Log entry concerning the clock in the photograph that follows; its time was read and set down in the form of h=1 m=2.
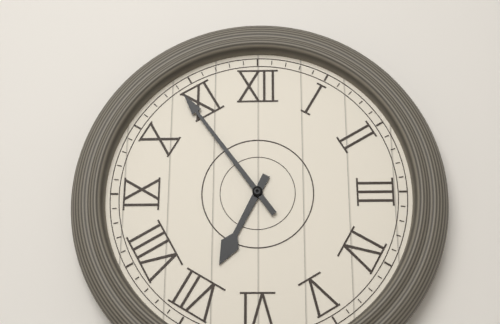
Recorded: h=6 m=54
